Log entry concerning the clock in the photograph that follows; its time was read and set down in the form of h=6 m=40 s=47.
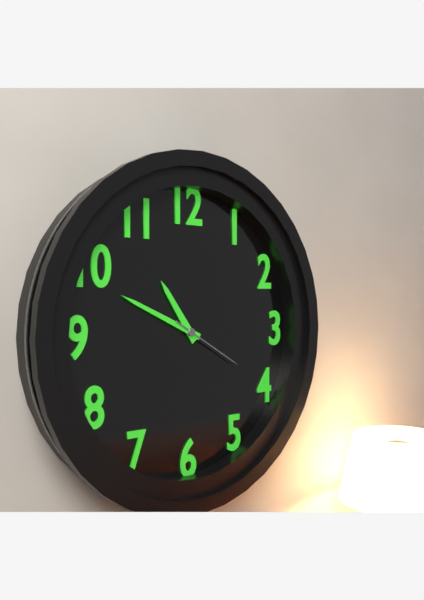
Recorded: h=10 m=49 s=20
